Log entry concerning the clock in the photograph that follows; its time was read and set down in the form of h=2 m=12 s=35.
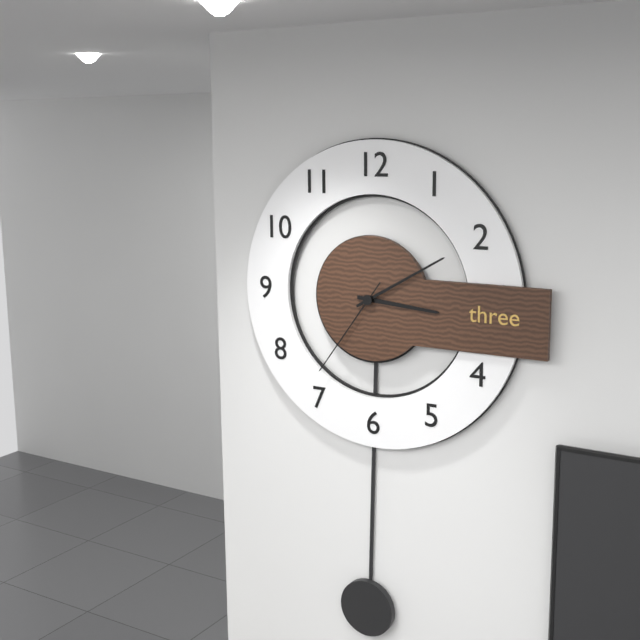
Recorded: h=3 m=10 s=36
